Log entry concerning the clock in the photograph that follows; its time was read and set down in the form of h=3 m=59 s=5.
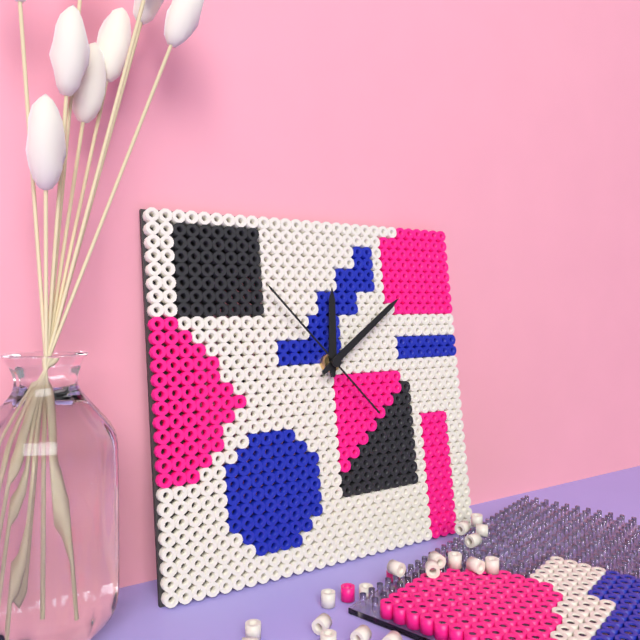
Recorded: h=12 m=9 s=53
